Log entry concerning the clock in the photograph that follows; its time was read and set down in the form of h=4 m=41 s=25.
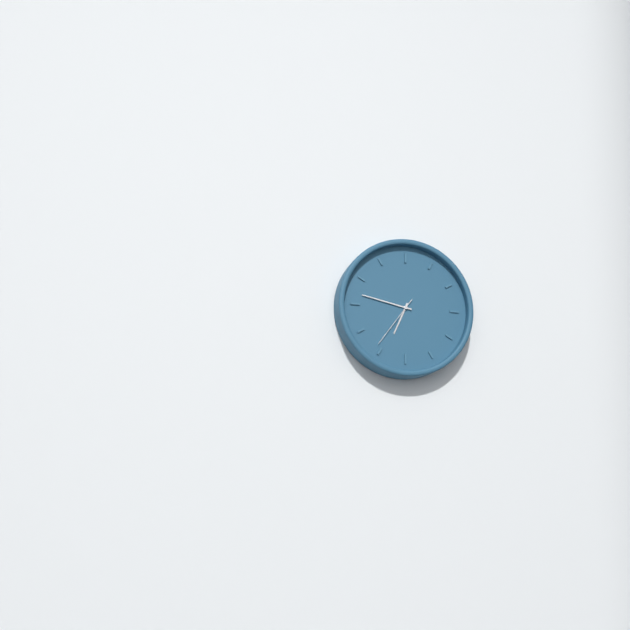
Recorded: h=6 m=47 s=36
